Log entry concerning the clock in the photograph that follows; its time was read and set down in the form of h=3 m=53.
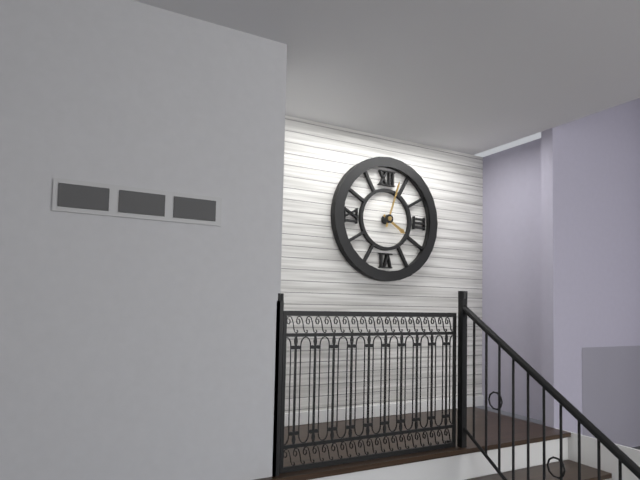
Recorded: h=4 m=3
